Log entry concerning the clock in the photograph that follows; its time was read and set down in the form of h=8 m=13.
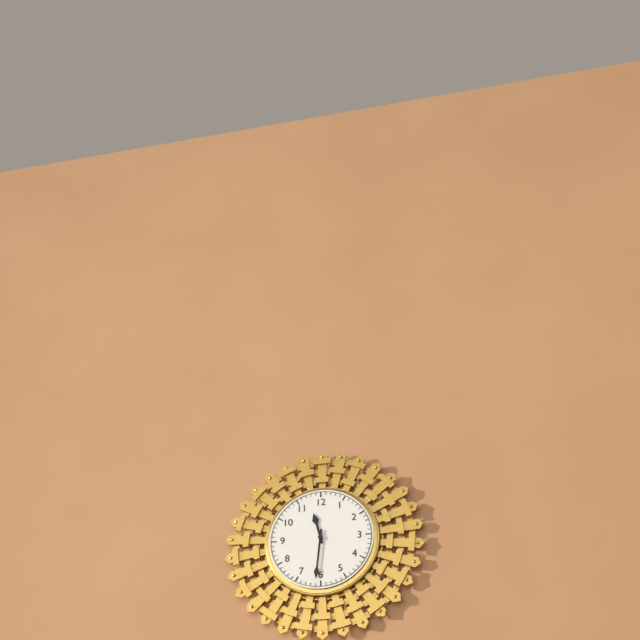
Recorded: h=11 m=31
